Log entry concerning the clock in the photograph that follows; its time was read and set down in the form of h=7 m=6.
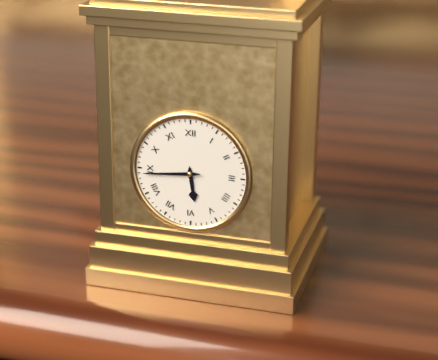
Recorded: h=5 m=44
